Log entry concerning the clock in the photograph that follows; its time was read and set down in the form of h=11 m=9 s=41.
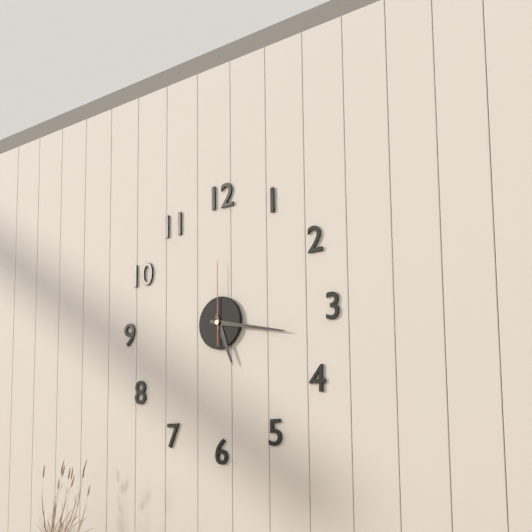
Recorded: h=5 m=17 s=0
